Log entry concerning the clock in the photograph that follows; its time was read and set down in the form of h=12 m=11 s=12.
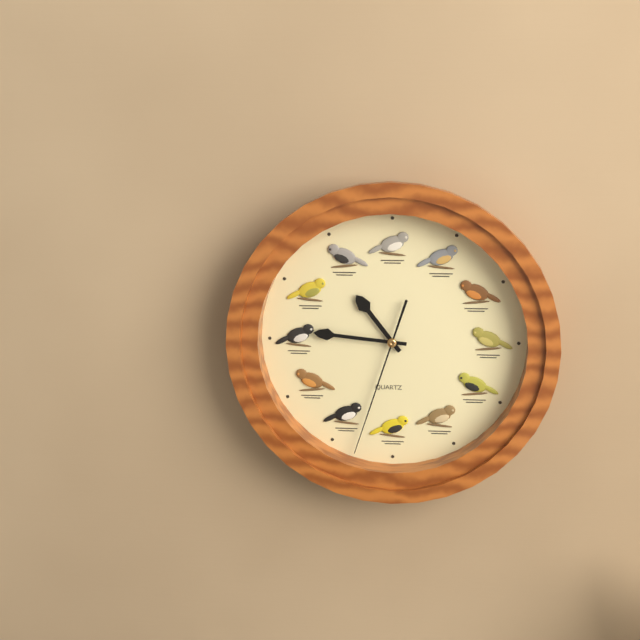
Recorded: h=10 m=46 s=33
